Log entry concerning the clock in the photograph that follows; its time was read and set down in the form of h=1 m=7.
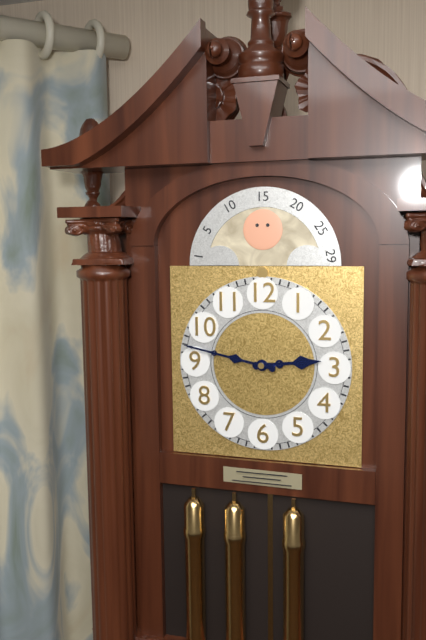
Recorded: h=2 m=47
